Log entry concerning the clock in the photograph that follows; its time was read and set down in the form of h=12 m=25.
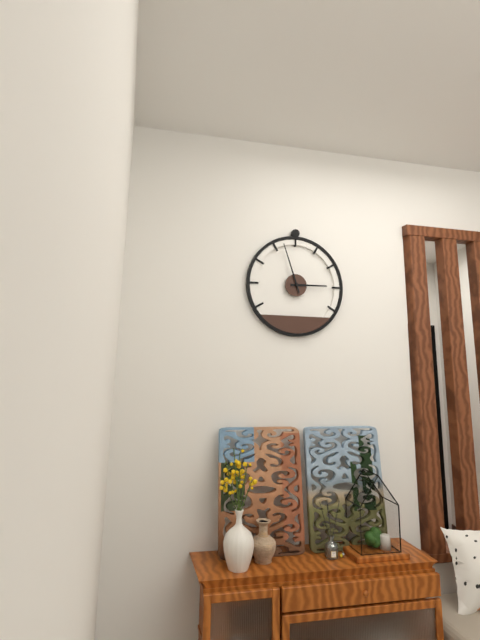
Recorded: h=2 m=57
